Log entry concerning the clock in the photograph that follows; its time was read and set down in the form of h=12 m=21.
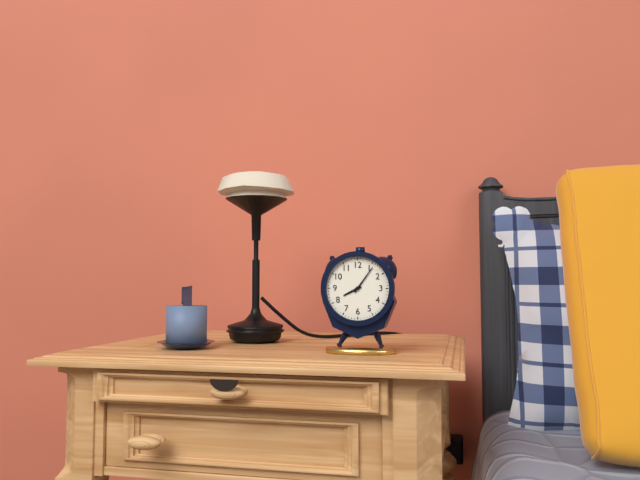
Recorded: h=8 m=6
